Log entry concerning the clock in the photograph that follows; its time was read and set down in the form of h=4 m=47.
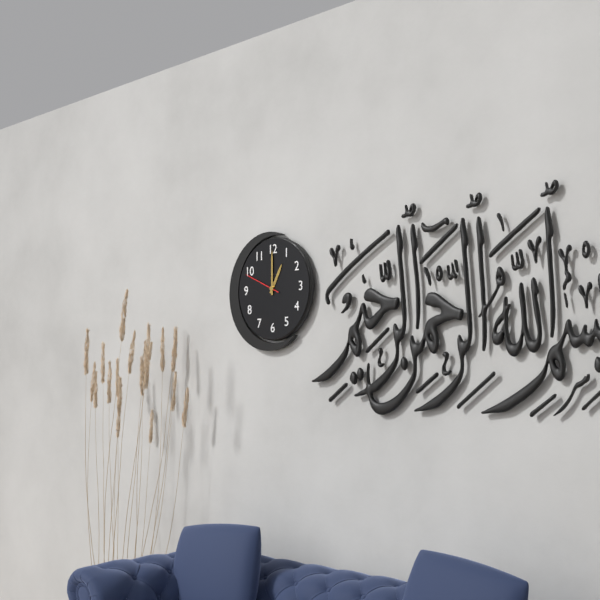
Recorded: h=1 m=0
